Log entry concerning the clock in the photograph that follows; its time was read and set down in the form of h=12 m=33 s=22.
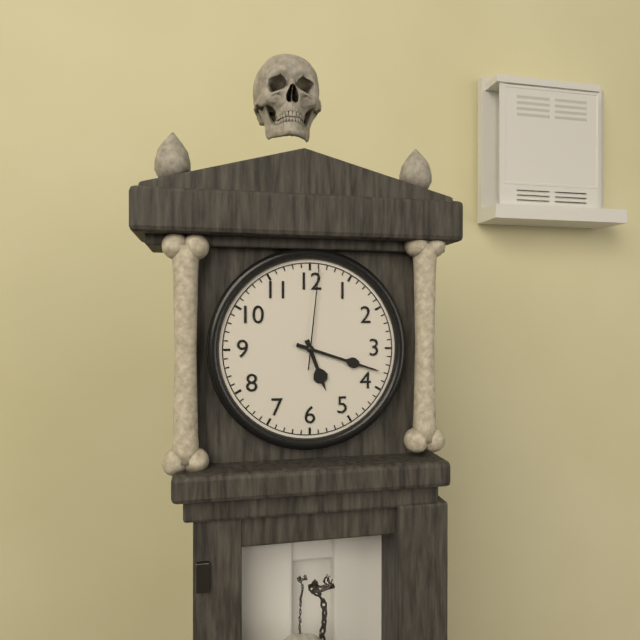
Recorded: h=5 m=18 s=1
